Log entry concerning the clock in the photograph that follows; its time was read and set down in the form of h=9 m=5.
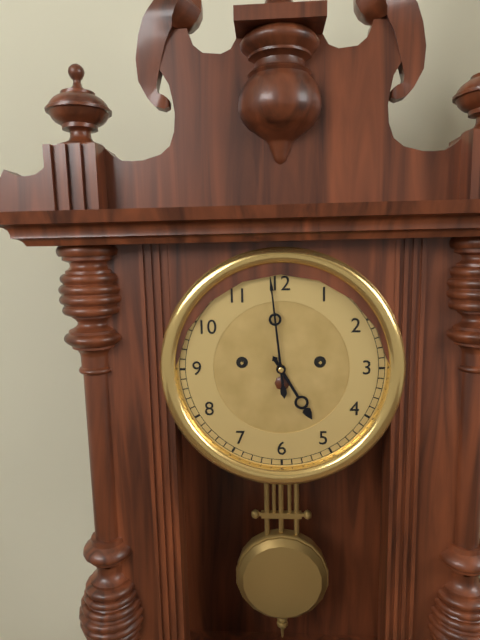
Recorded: h=4 m=59
